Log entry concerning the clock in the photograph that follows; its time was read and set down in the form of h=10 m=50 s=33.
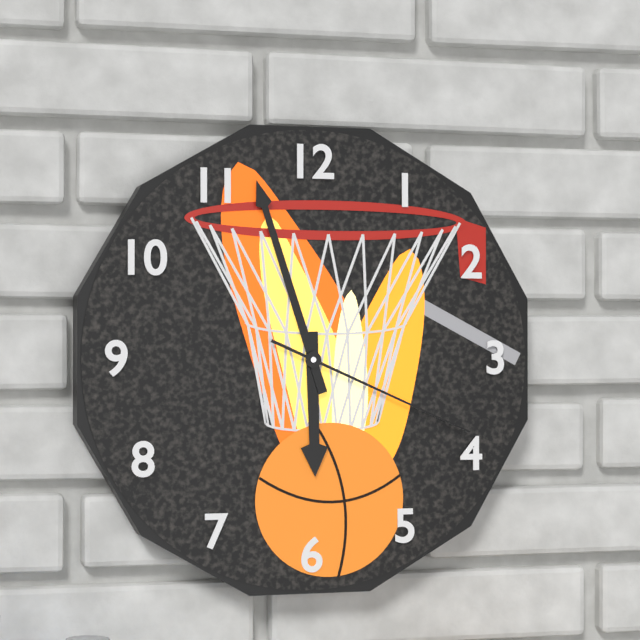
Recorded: h=5 m=57 s=19
